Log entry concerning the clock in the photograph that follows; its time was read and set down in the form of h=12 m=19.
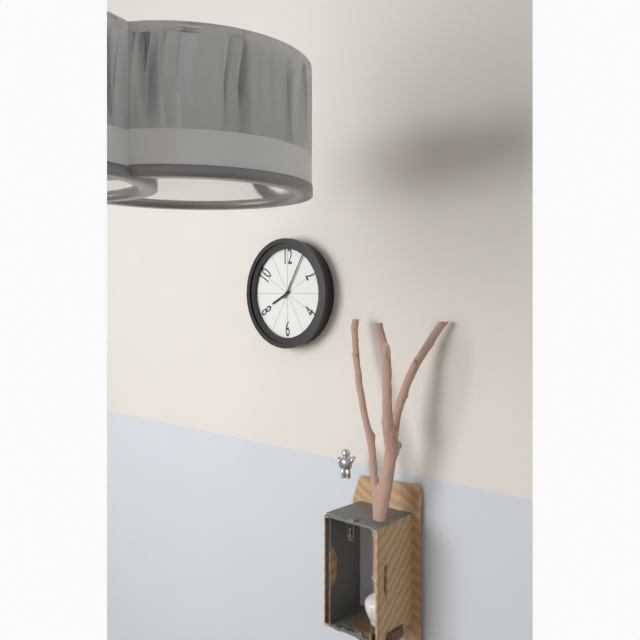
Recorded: h=8 m=5
